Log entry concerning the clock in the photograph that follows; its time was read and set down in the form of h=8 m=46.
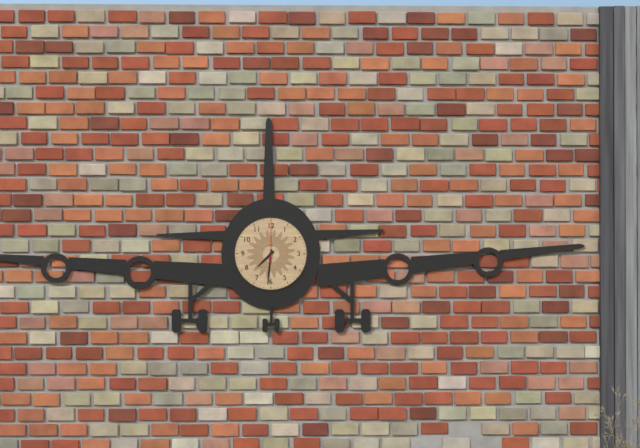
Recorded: h=7 m=31
